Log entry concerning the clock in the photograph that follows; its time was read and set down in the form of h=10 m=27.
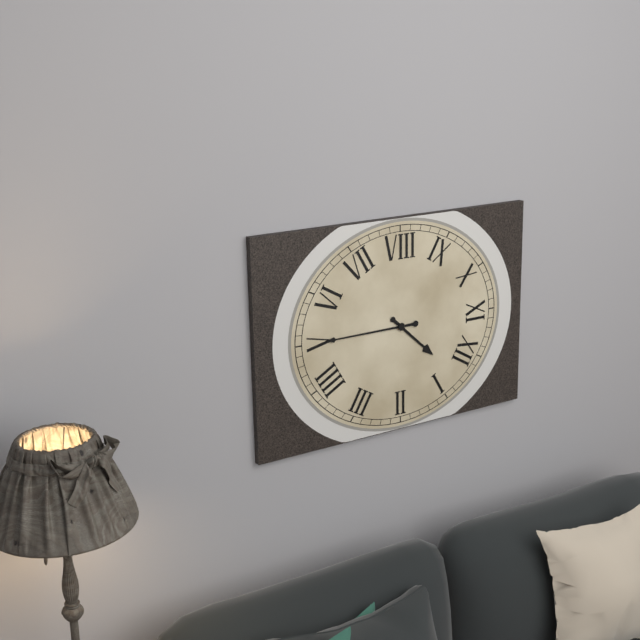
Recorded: h=12 m=25
